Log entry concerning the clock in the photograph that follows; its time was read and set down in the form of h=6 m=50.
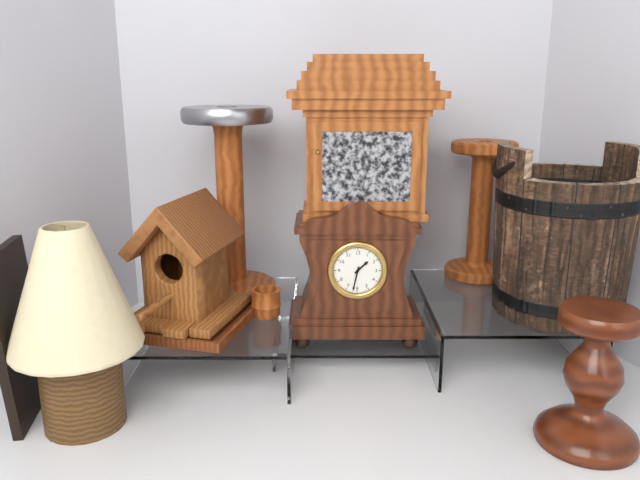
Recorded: h=1 m=32
